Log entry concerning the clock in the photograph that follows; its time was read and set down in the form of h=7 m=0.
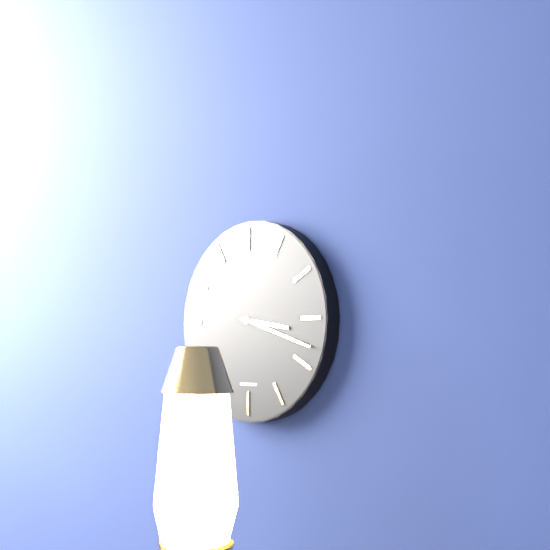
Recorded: h=3 m=18
